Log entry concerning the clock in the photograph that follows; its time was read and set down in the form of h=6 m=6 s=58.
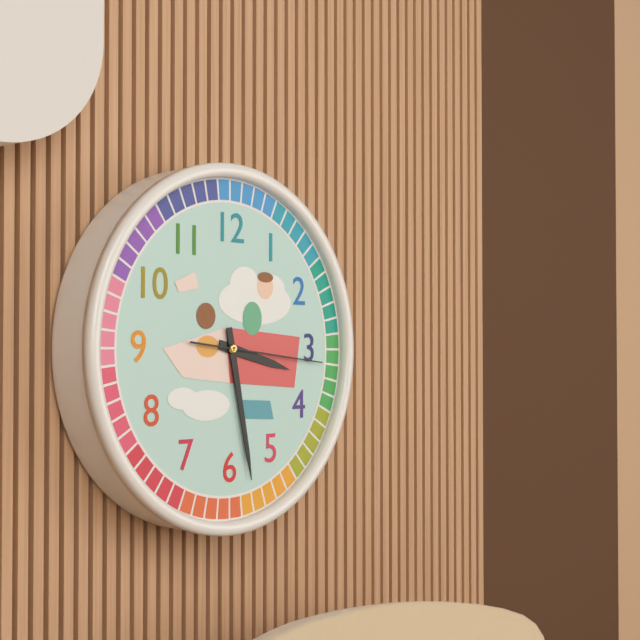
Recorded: h=3 m=28 s=16
